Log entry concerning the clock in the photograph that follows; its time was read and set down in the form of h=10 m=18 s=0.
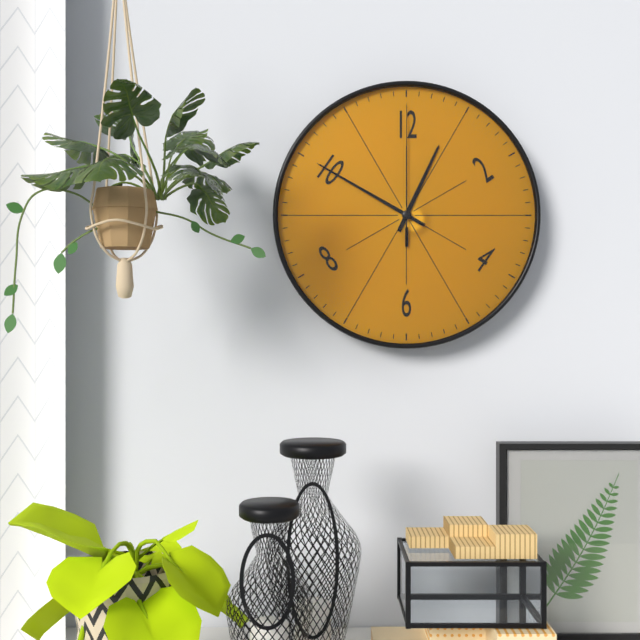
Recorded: h=12 m=50 s=0
